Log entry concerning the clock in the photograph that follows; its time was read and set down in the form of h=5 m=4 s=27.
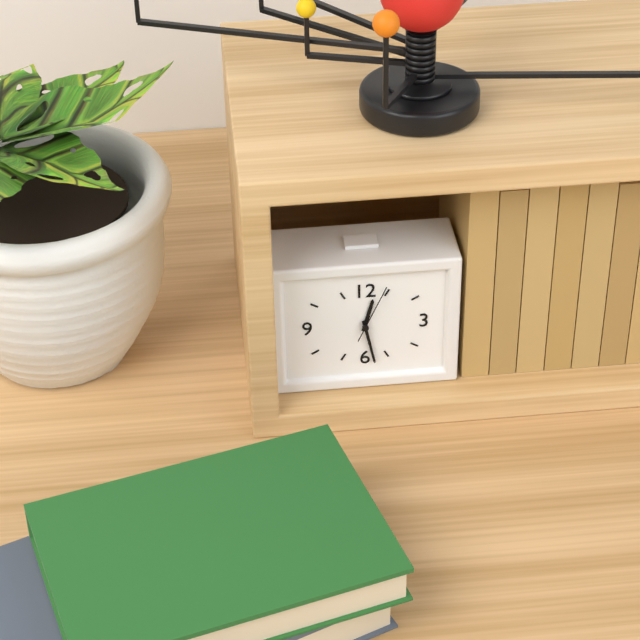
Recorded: h=12 m=28 s=4
